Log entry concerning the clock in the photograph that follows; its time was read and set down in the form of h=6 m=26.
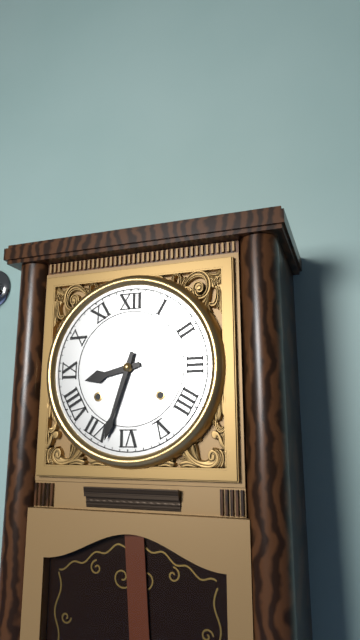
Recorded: h=8 m=33
